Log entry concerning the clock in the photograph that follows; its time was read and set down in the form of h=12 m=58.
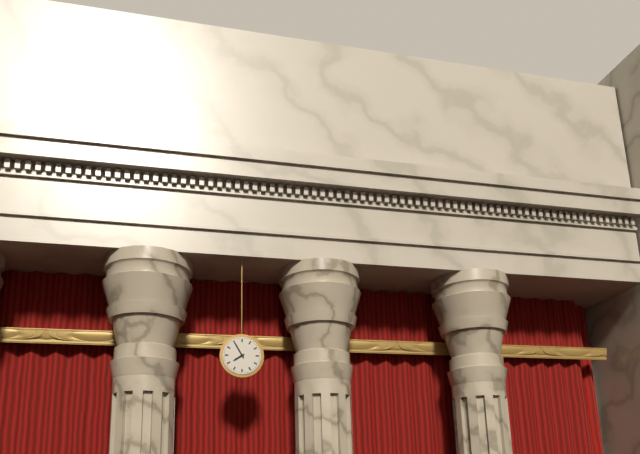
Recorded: h=7 m=55
